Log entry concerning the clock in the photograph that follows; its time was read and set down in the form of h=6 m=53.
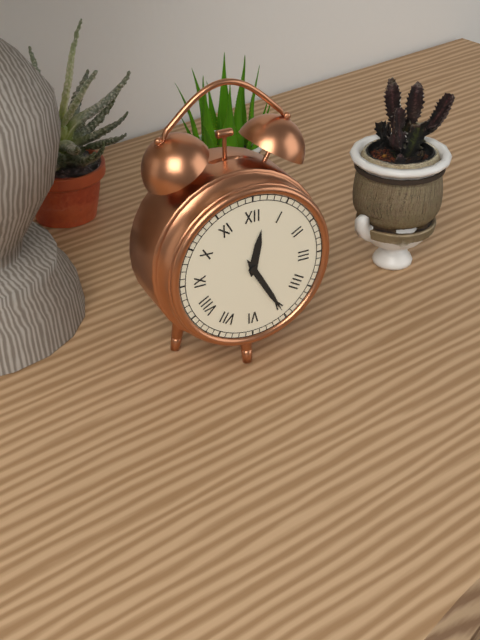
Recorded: h=12 m=25
